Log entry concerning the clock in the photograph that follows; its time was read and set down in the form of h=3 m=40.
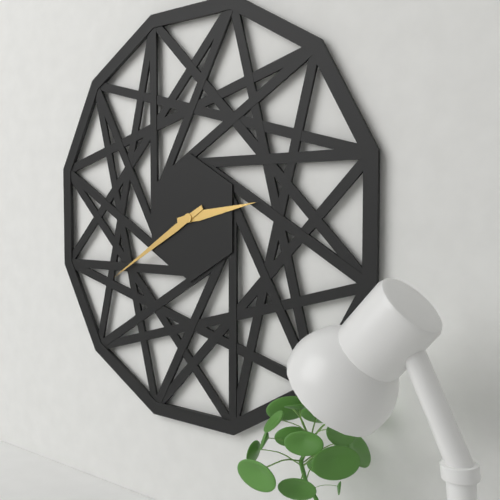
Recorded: h=2 m=40
